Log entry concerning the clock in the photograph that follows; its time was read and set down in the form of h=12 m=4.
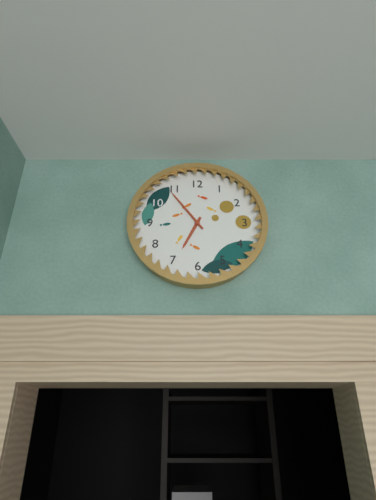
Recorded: h=6 m=54
